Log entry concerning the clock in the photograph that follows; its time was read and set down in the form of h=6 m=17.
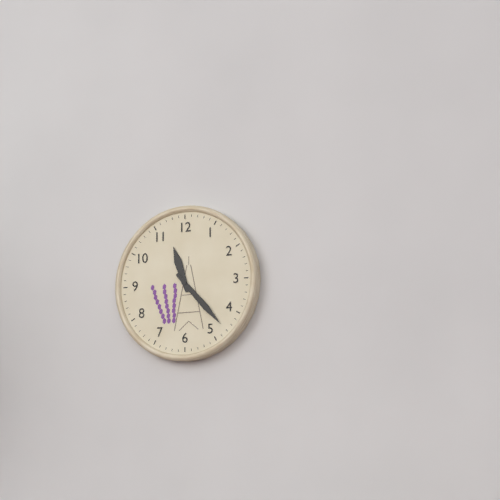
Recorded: h=11 m=23
